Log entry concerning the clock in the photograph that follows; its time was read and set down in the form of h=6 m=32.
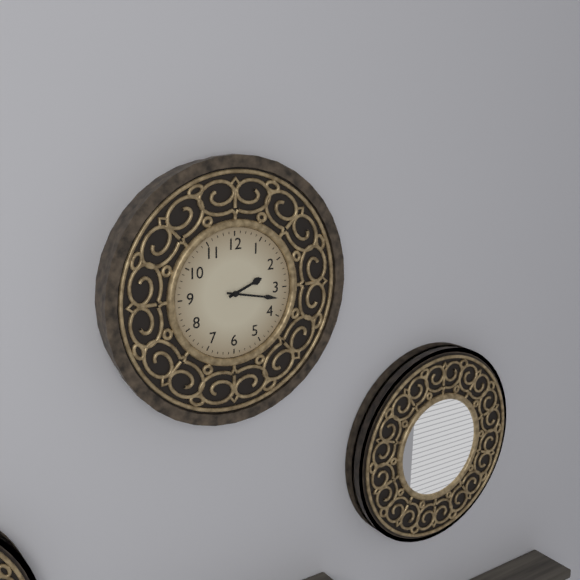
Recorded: h=2 m=17
